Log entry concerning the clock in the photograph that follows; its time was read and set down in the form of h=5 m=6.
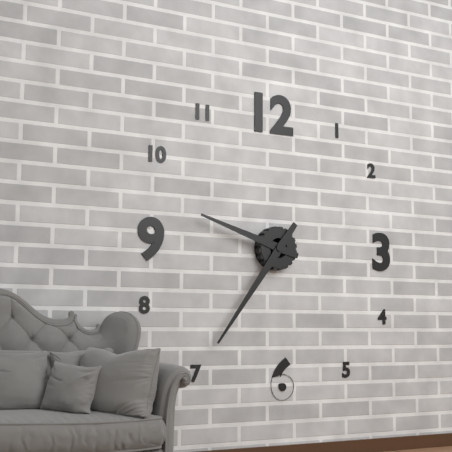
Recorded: h=9 m=36
